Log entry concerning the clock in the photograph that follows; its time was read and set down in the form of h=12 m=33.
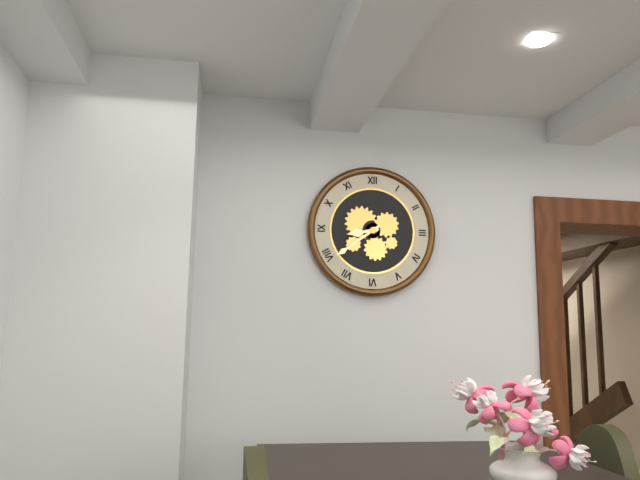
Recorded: h=8 m=39
